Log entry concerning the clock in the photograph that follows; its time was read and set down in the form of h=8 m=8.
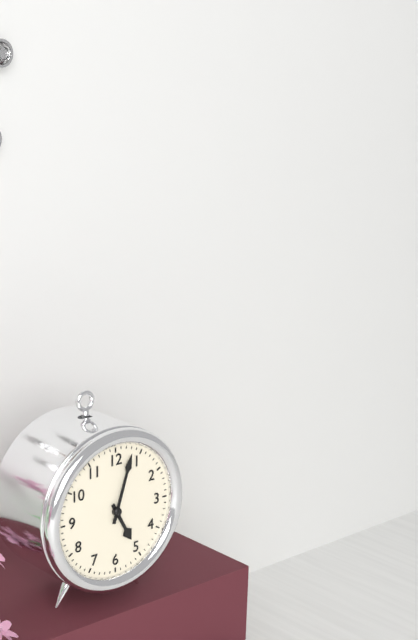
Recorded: h=5 m=3
